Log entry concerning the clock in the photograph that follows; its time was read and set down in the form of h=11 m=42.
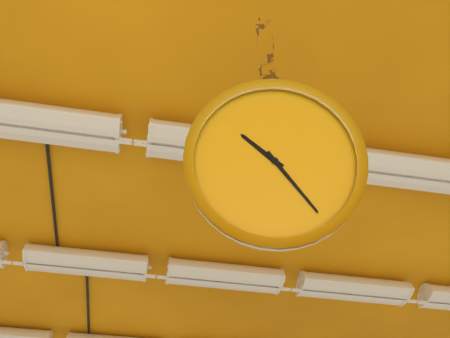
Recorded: h=10 m=24
